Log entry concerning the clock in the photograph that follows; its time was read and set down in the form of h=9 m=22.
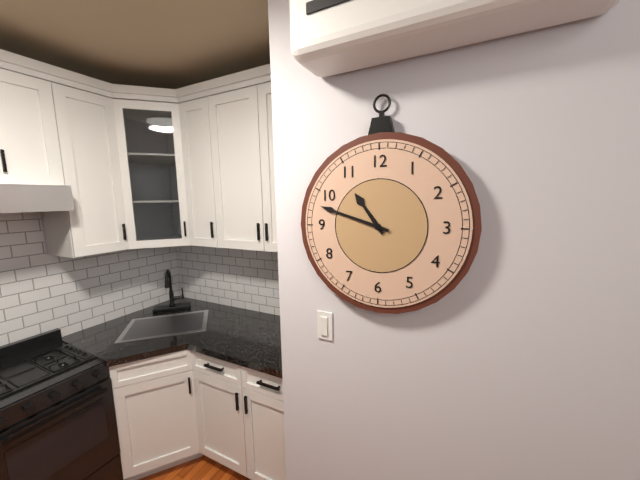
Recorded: h=10 m=48
